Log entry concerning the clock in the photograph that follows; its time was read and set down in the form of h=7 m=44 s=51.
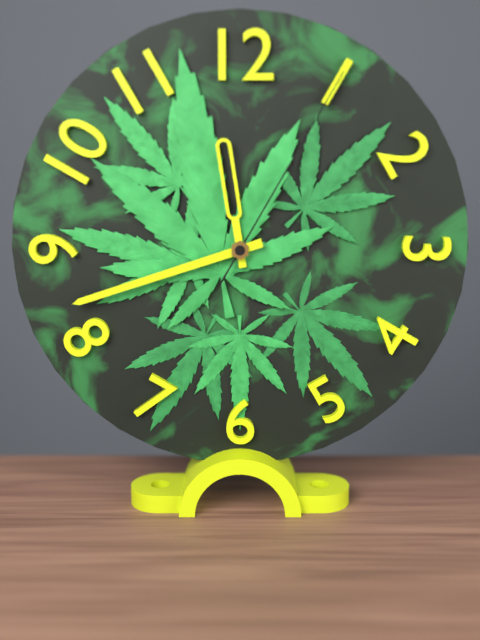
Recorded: h=11 m=42 s=5
